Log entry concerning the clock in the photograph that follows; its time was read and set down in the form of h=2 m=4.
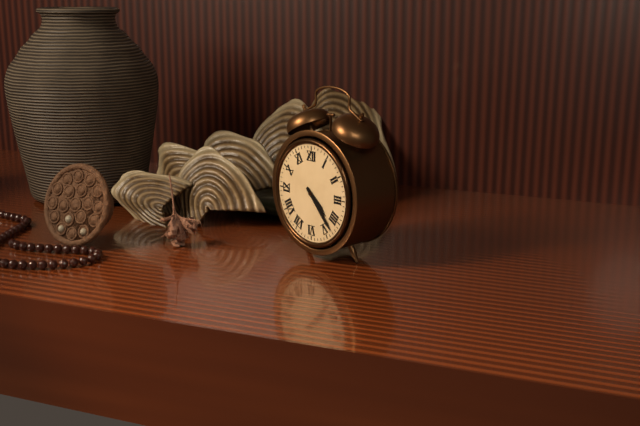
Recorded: h=4 m=23
